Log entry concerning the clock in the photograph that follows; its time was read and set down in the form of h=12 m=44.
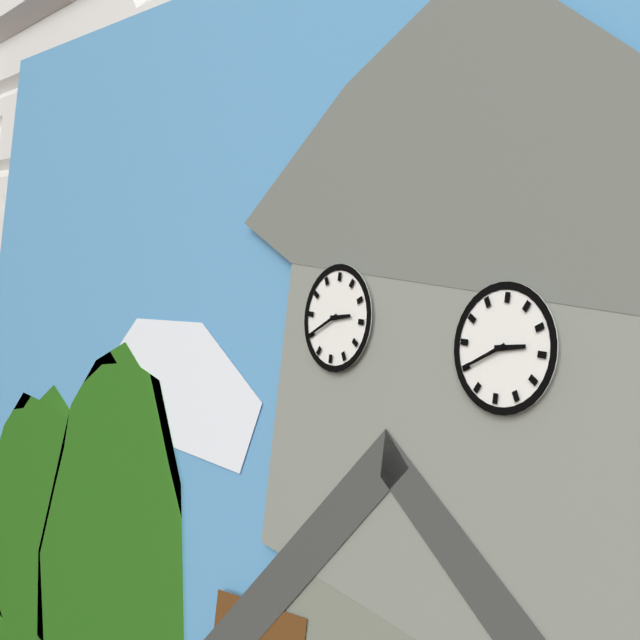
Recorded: h=2 m=40
